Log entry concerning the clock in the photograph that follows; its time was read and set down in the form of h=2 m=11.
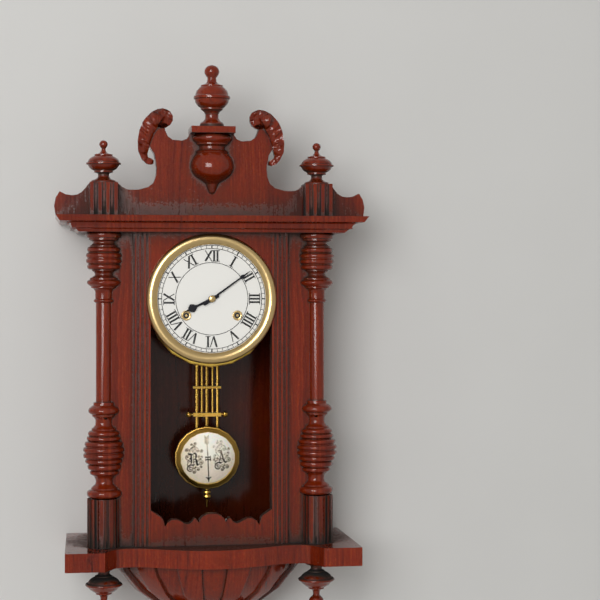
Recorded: h=8 m=9
